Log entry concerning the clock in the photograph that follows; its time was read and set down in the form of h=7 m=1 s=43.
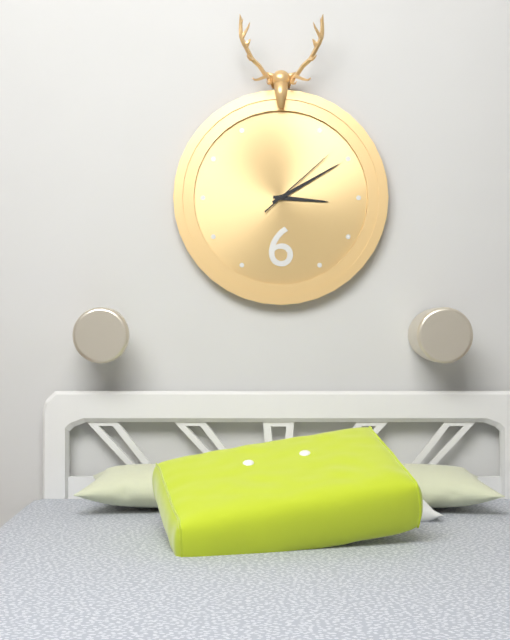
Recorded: h=3 m=10 s=8
